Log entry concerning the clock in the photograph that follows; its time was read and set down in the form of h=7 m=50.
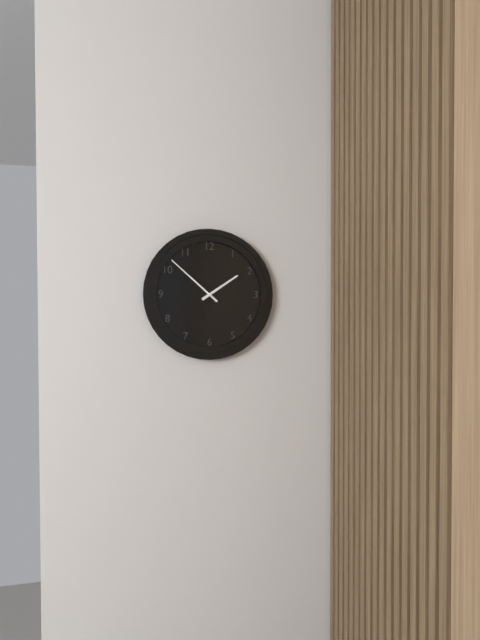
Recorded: h=1 m=52
